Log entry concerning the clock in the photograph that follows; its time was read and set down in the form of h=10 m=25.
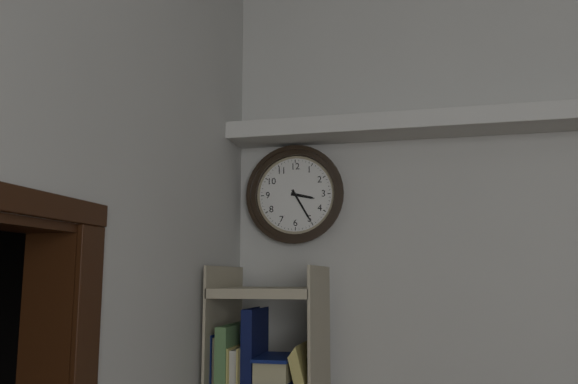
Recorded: h=3 m=25
